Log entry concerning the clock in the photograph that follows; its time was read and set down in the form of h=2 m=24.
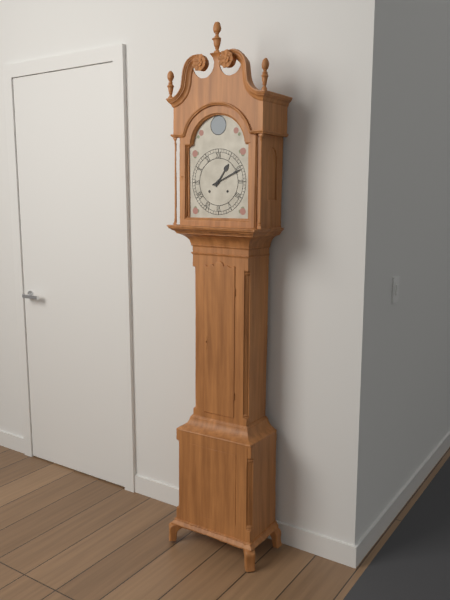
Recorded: h=1 m=11
